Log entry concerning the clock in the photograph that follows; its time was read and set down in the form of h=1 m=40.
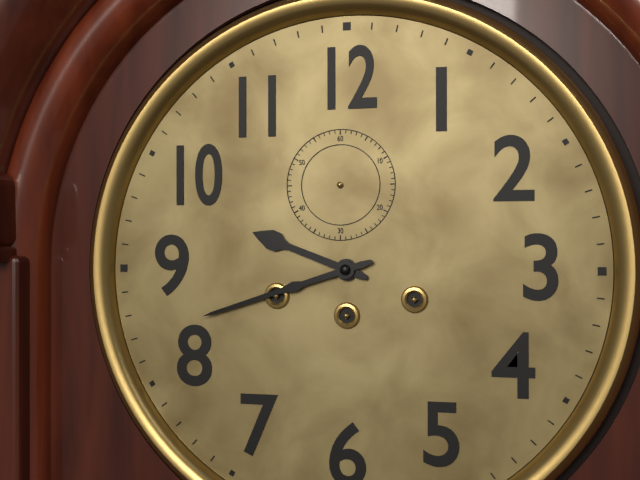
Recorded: h=9 m=42
